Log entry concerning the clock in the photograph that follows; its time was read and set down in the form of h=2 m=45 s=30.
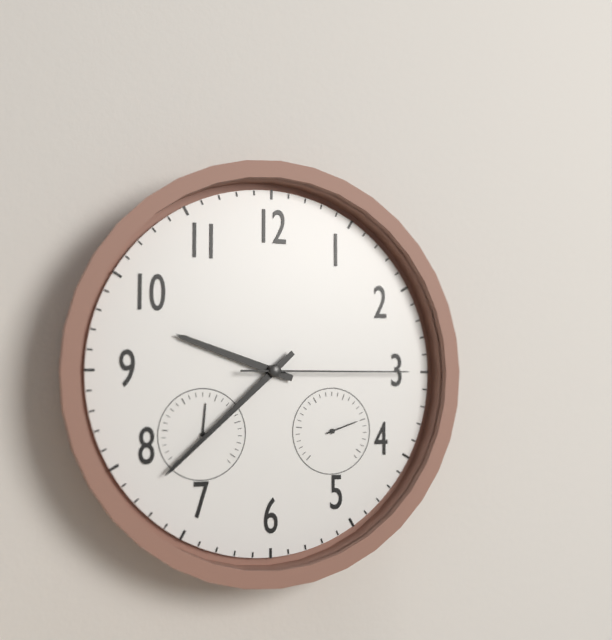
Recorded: h=9 m=38 s=15
